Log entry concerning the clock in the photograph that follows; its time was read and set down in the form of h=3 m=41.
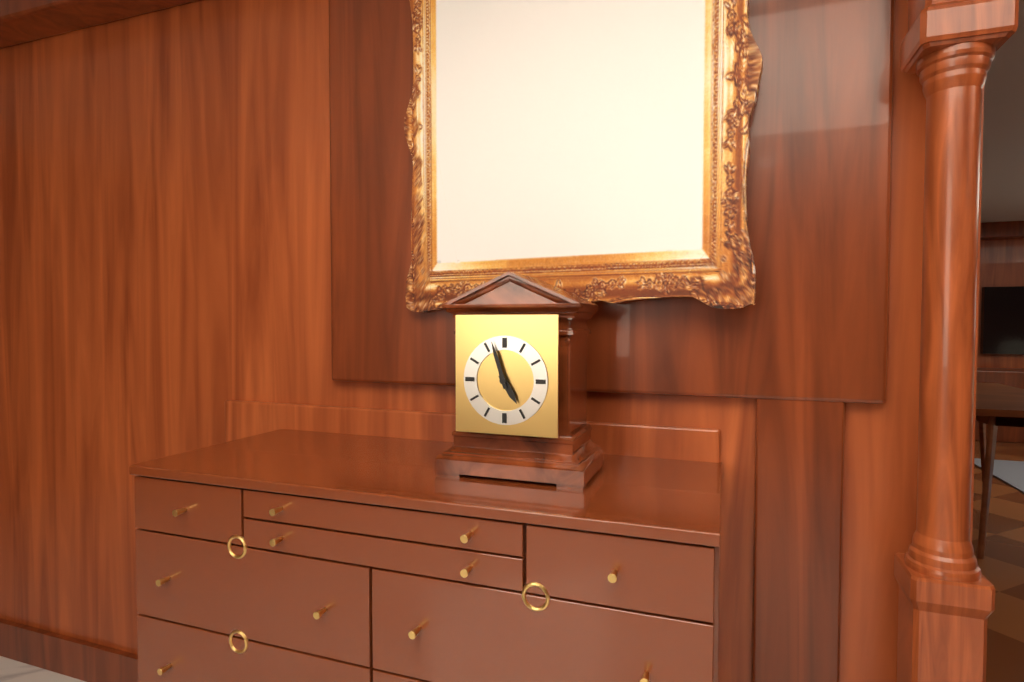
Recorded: h=4 m=57
